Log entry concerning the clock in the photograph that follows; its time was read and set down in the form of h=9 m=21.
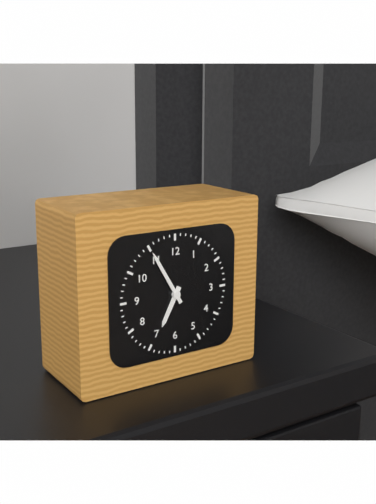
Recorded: h=6 m=55
